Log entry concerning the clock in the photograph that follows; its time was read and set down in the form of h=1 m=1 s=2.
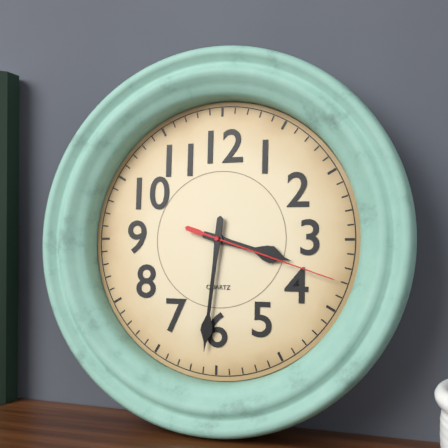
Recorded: h=3 m=31 s=18
